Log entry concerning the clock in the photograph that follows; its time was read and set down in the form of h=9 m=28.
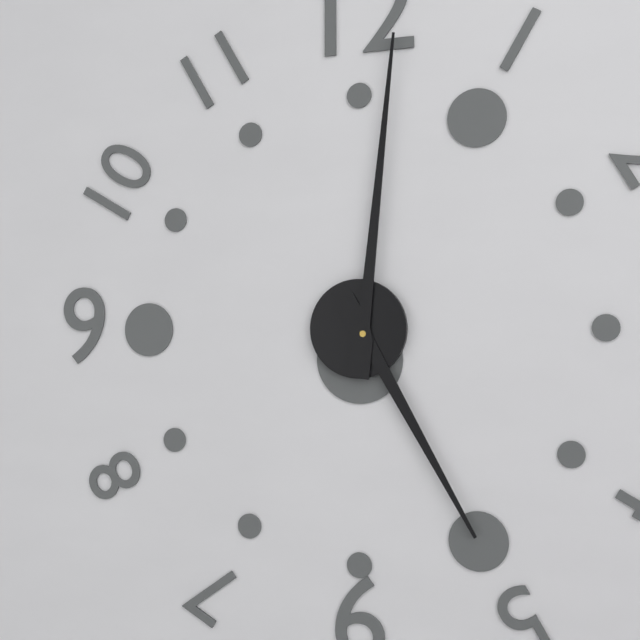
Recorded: h=5 m=1
